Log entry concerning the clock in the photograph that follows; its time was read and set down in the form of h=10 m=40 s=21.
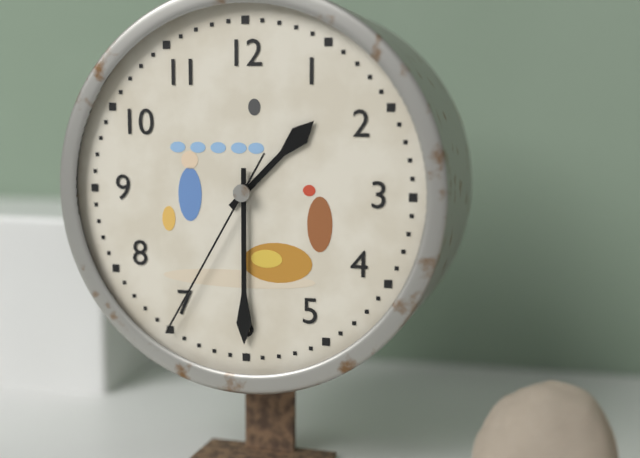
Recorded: h=1 m=30 s=35
